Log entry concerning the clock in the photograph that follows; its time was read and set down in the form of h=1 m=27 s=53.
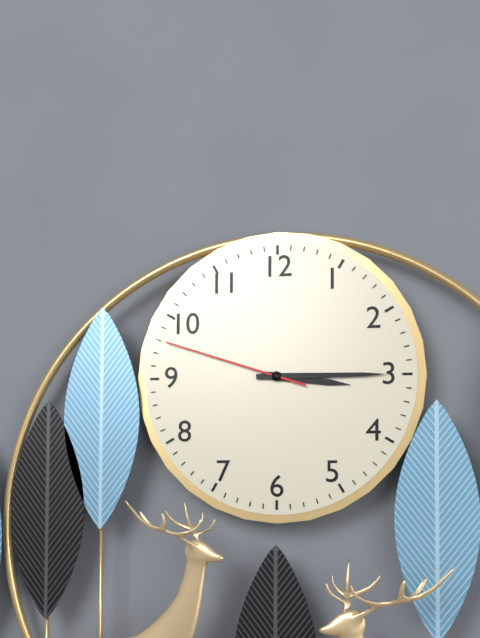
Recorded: h=3 m=15 s=48
